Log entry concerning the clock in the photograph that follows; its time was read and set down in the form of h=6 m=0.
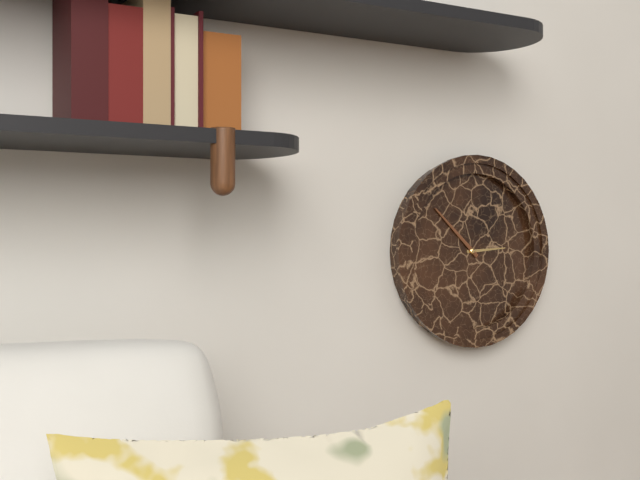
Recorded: h=2 m=52
